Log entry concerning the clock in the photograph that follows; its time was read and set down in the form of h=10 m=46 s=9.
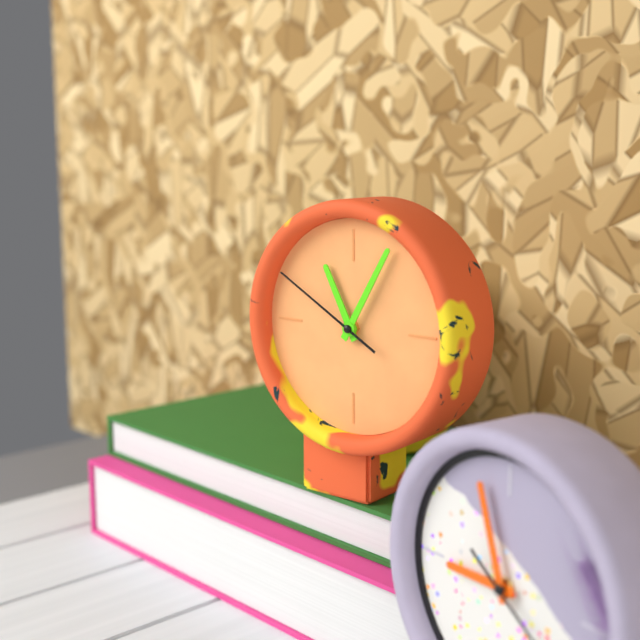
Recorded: h=11 m=5 s=50
